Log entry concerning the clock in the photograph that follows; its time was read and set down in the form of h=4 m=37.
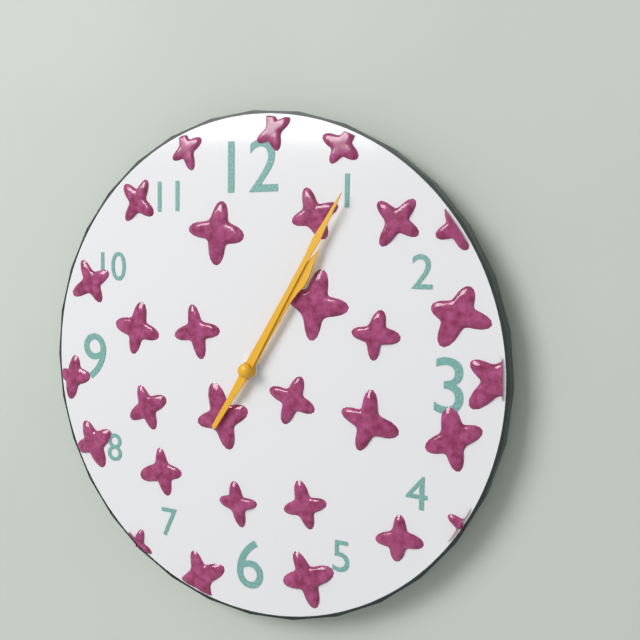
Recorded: h=1 m=5
